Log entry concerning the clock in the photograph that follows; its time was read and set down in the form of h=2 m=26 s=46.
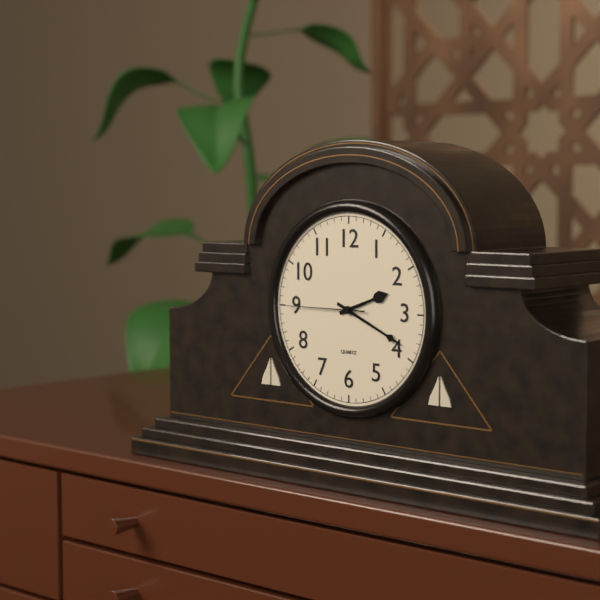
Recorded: h=2 m=19 s=45
